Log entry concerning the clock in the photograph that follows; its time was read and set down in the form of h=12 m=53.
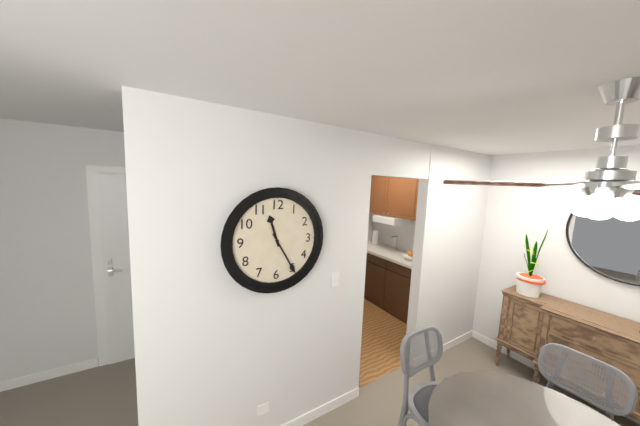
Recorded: h=11 m=25
